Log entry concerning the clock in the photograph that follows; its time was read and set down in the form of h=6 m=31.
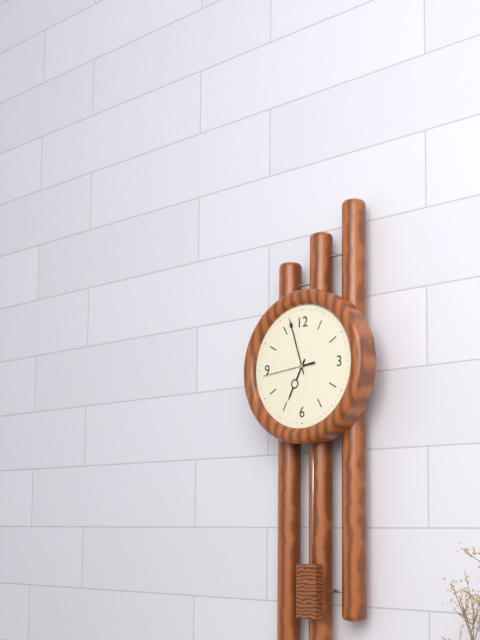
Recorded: h=6 m=57
